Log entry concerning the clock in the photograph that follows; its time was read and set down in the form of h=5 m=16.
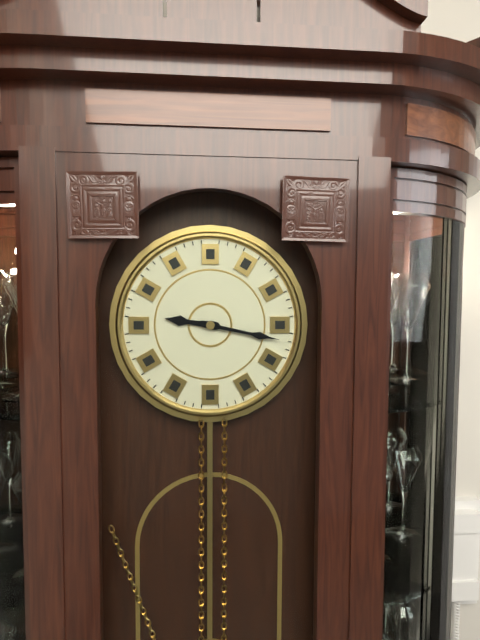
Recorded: h=9 m=17
